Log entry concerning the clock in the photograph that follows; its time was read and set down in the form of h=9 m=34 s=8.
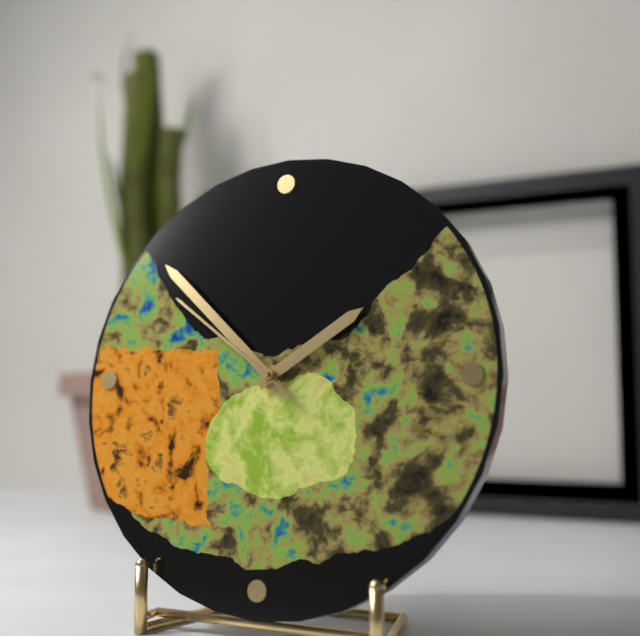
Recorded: h=1 m=52 s=51
